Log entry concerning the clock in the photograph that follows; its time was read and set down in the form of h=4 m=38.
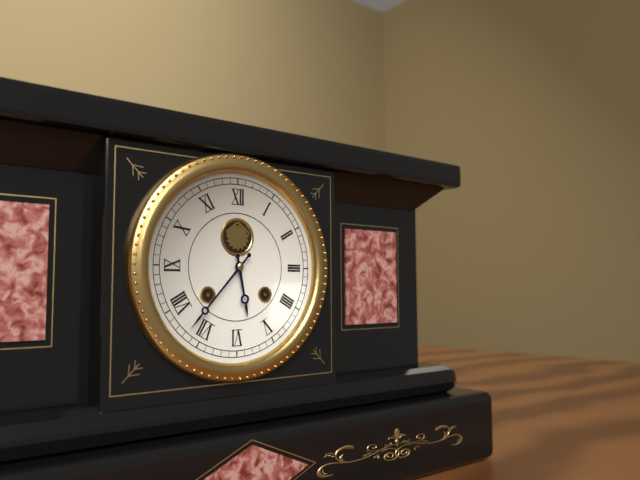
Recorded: h=5 m=37
